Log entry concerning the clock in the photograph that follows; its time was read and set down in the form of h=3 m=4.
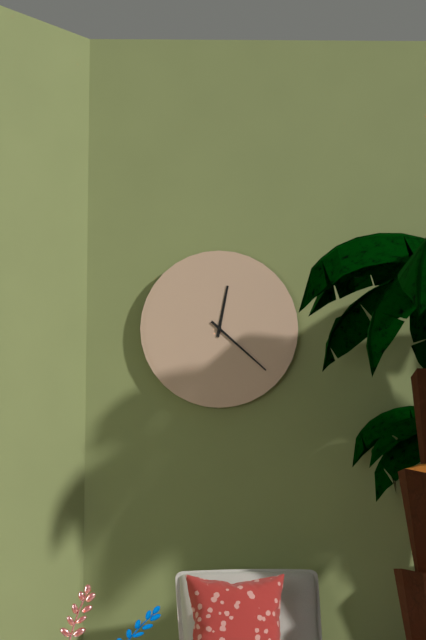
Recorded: h=12 m=22
